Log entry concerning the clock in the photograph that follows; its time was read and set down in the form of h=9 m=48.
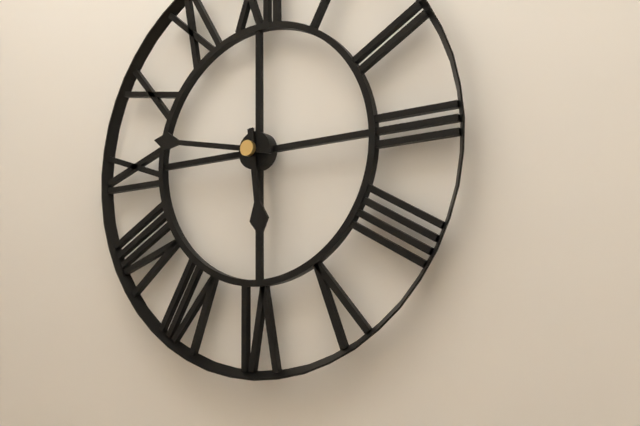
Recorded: h=5 m=47
